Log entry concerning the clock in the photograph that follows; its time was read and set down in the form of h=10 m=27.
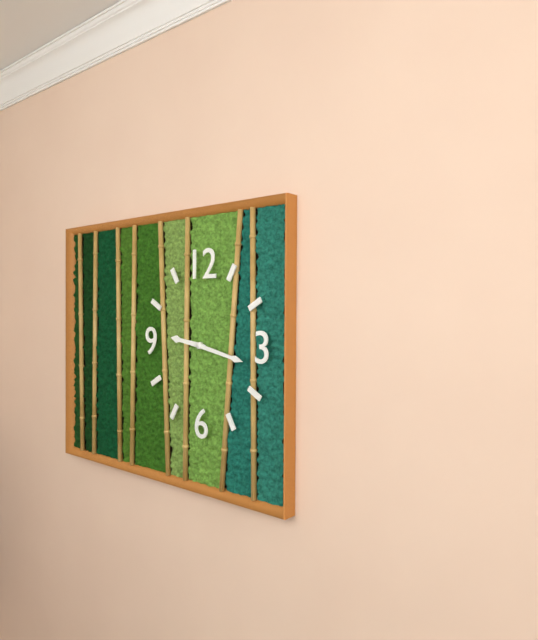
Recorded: h=9 m=17
